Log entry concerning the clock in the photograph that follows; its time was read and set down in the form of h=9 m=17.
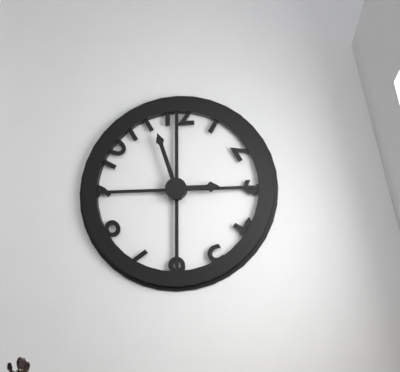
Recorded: h=2 m=57
